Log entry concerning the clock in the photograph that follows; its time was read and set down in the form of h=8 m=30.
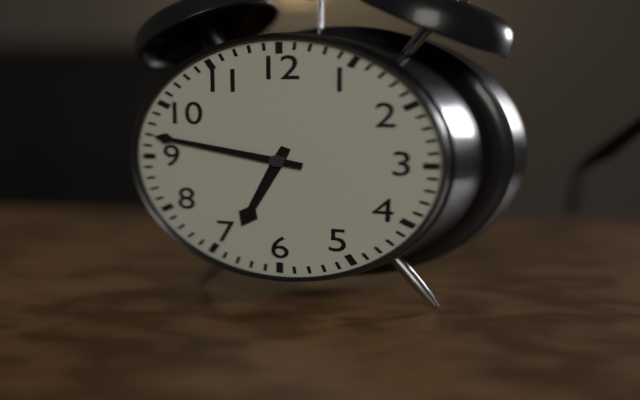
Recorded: h=6 m=47
